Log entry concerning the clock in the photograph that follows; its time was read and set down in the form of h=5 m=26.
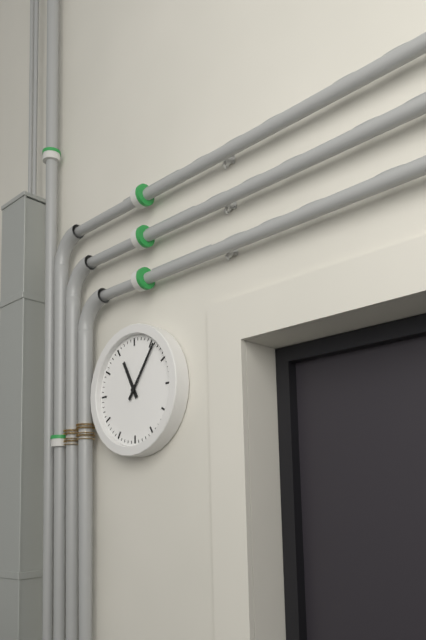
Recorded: h=11 m=6
